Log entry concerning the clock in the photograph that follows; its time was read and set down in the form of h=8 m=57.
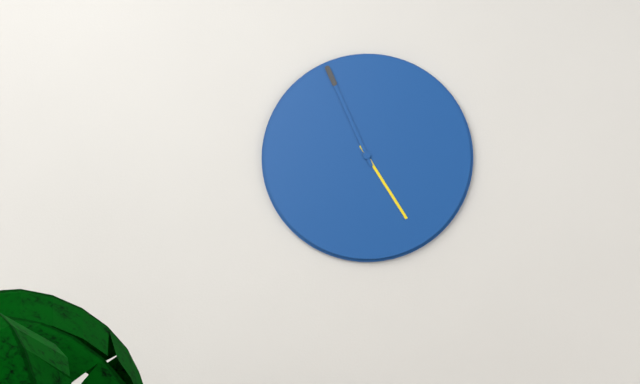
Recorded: h=4 m=56
